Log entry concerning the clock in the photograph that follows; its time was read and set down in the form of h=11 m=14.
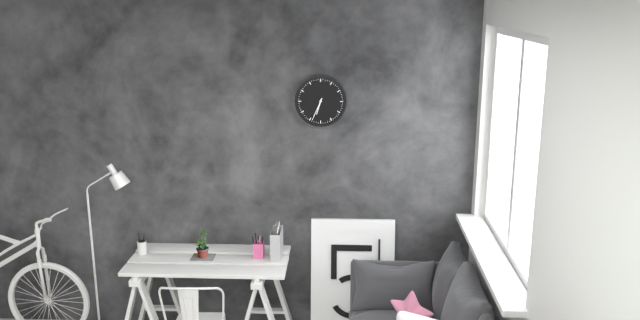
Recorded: h=6 m=34
